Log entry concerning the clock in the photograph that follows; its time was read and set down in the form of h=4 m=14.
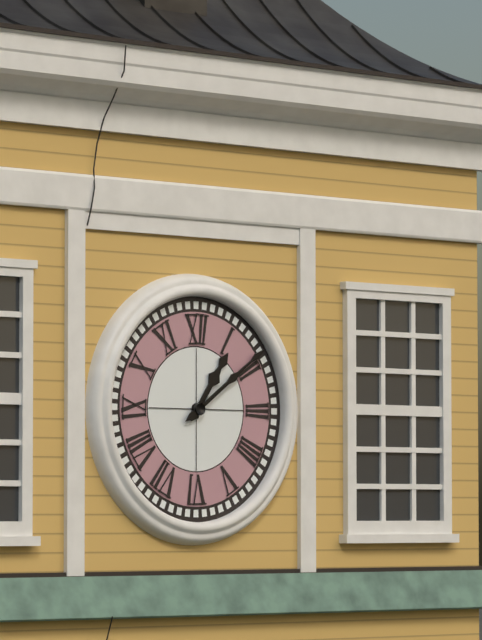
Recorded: h=1 m=9
